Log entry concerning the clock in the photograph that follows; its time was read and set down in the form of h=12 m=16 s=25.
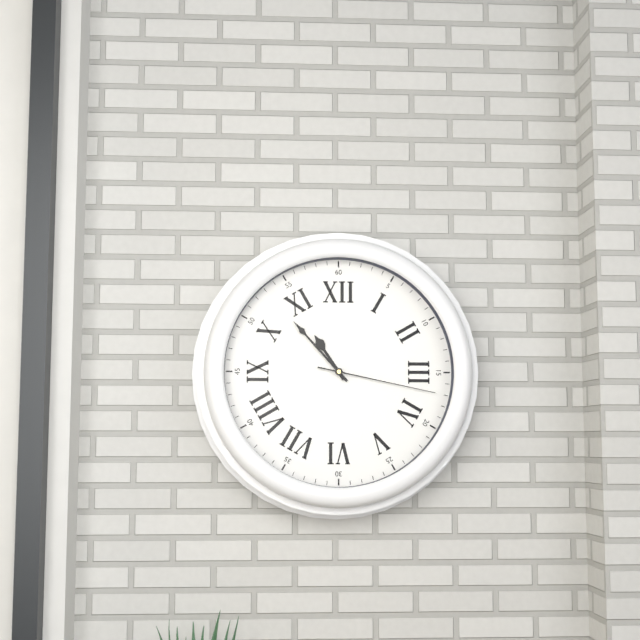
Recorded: h=10 m=53 s=17
